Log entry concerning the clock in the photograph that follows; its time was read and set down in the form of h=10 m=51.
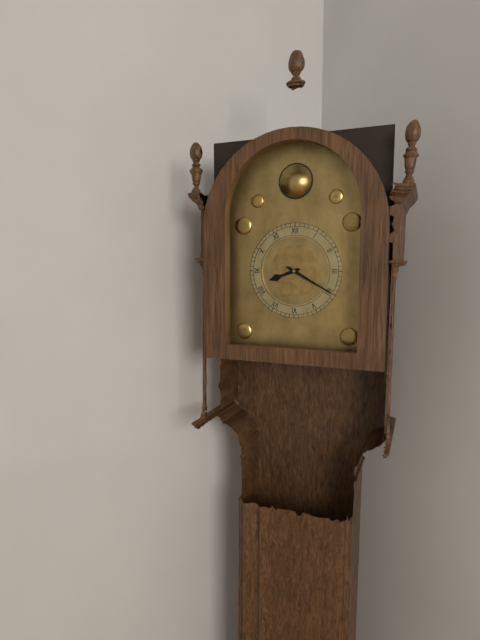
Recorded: h=8 m=20
